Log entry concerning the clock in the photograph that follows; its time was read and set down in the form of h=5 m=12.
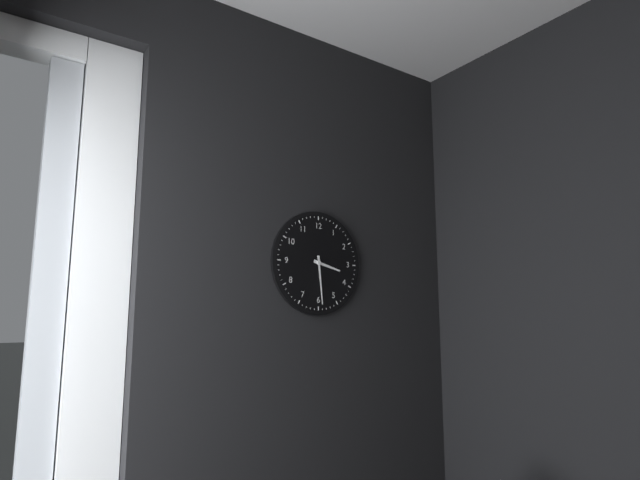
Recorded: h=3 m=29
